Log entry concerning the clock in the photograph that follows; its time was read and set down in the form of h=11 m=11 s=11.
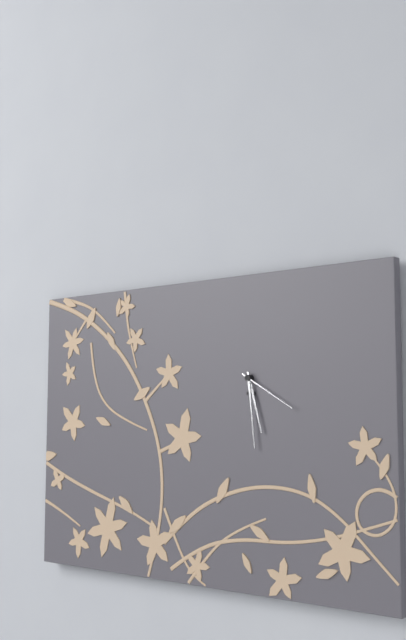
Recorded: h=5 m=29 s=20
